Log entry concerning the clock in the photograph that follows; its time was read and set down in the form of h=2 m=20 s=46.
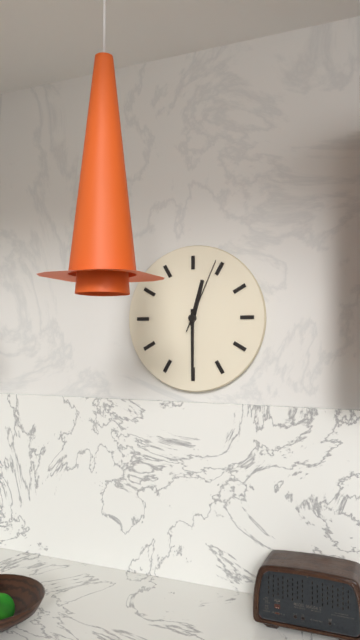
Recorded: h=12 m=30 s=4
